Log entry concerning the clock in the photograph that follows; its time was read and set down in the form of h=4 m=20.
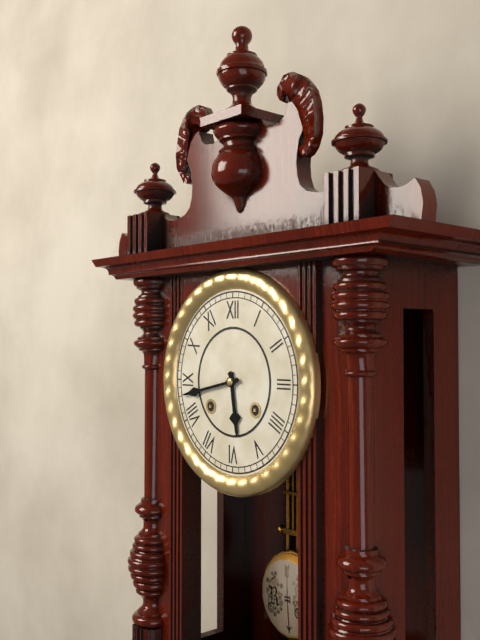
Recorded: h=5 m=43
